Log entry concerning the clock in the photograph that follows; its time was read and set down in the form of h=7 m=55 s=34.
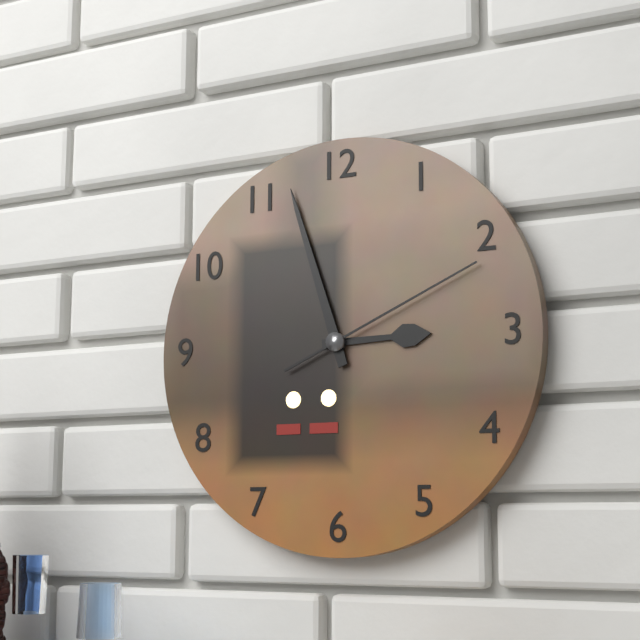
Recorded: h=2 m=57 s=11
